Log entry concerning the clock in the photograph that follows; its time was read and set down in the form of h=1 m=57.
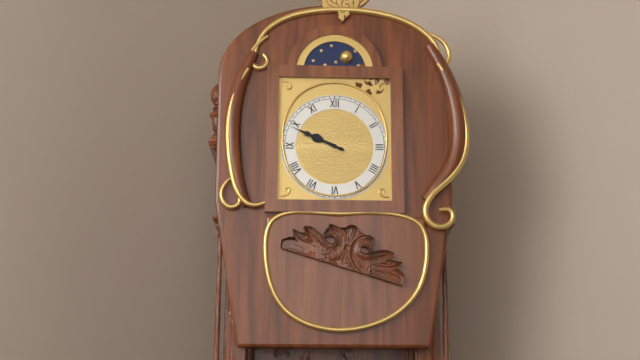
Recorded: h=9 m=49
